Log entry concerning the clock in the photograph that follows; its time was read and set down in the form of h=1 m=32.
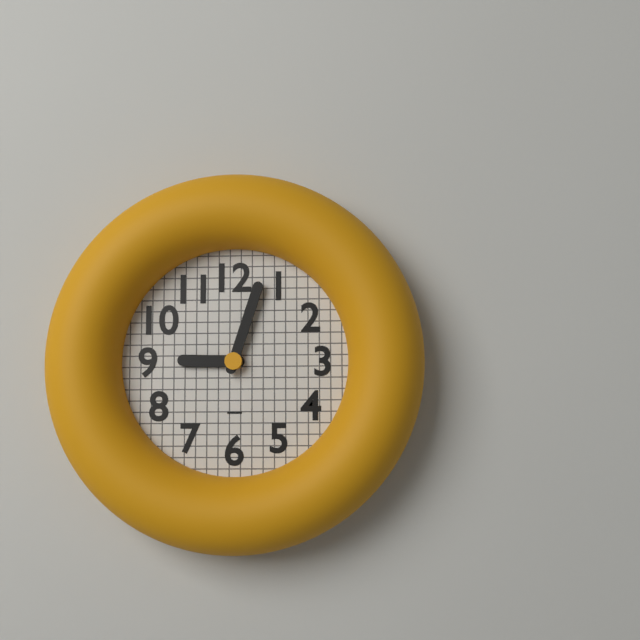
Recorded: h=9 m=3
